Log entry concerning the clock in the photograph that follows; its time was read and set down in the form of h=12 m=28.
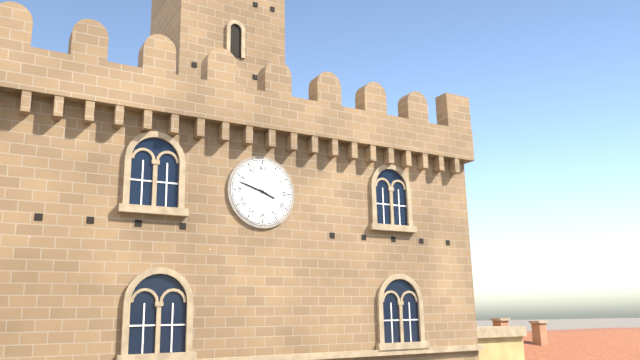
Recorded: h=3 m=48
